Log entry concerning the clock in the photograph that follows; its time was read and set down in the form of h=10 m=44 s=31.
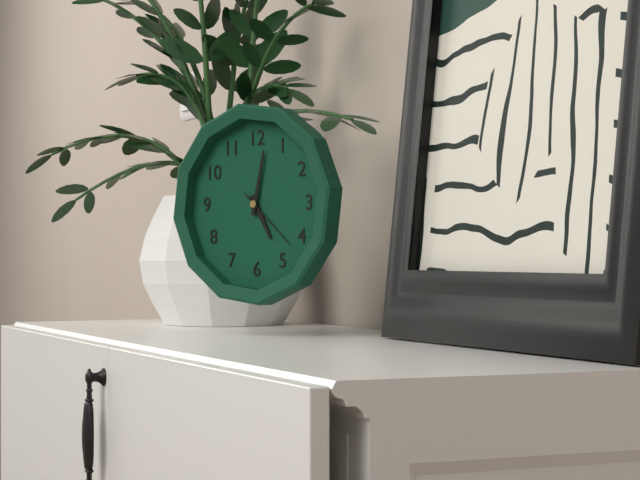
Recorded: h=5 m=2 s=22
